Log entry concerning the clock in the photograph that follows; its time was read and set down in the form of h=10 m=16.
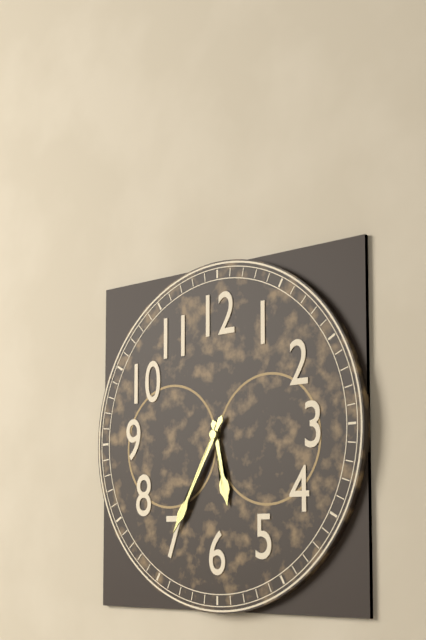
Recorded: h=5 m=35
